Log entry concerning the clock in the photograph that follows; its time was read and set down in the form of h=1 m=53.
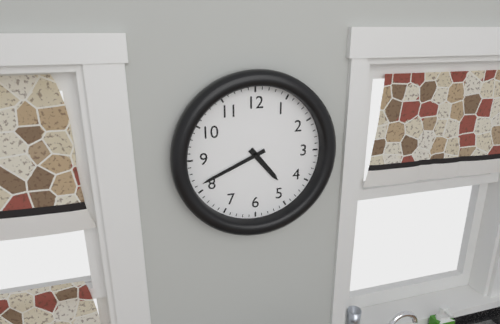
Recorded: h=4 m=41
